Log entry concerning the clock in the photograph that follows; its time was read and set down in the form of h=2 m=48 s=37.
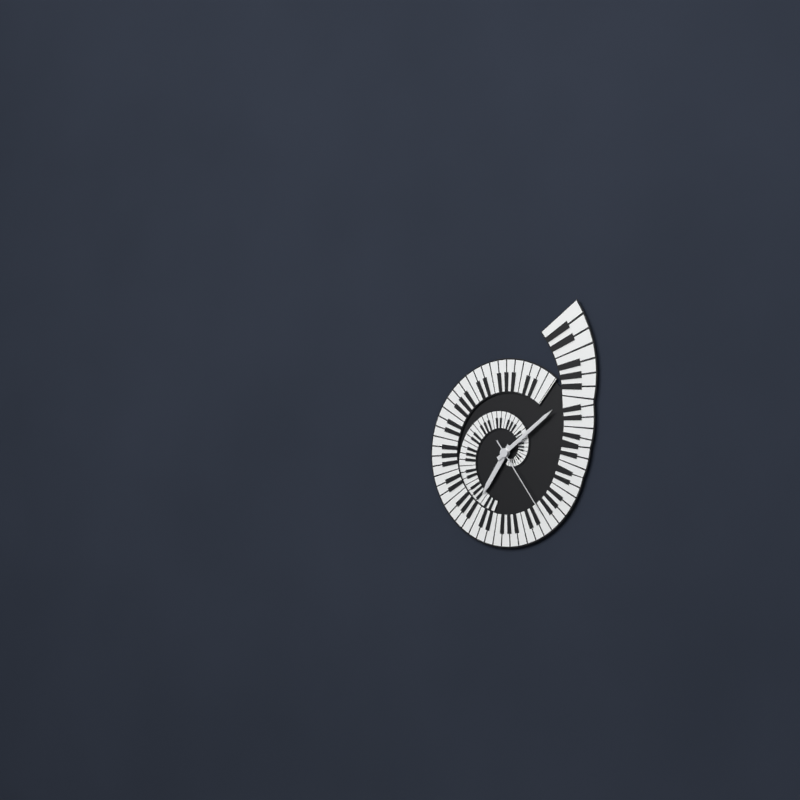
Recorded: h=7 m=9 s=24
